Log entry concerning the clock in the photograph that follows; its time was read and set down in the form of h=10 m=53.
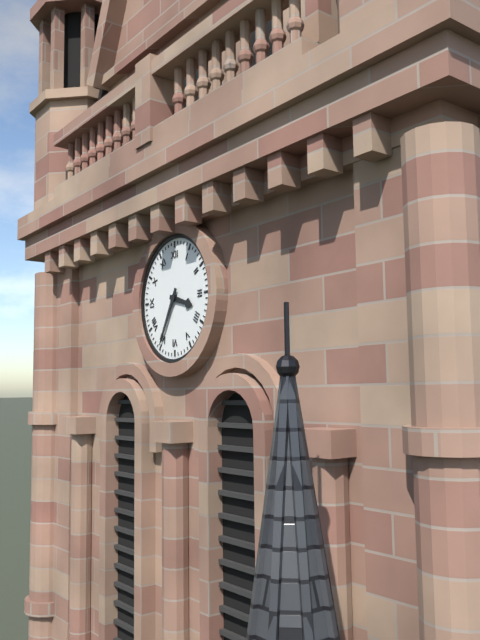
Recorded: h=3 m=35
